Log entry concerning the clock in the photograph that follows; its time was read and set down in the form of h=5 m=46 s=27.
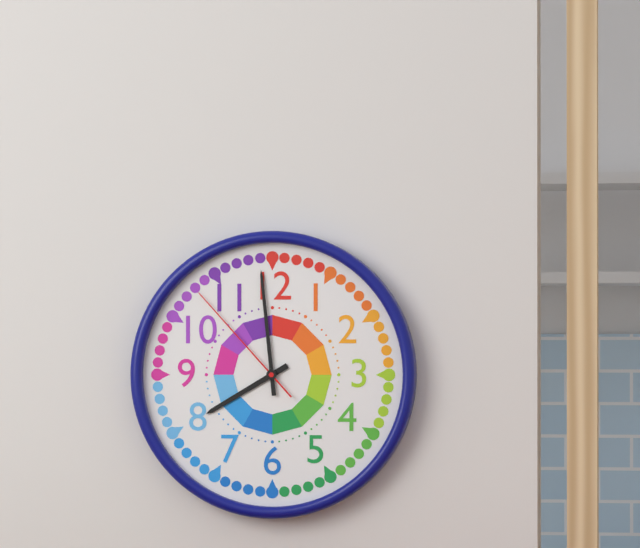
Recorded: h=7 m=59 s=53
